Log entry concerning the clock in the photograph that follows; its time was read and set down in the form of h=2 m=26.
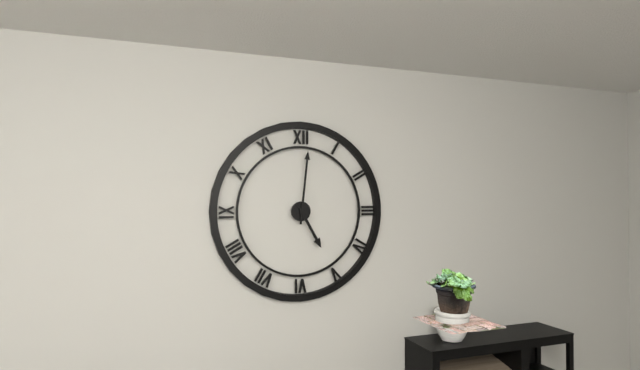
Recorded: h=5 m=1
